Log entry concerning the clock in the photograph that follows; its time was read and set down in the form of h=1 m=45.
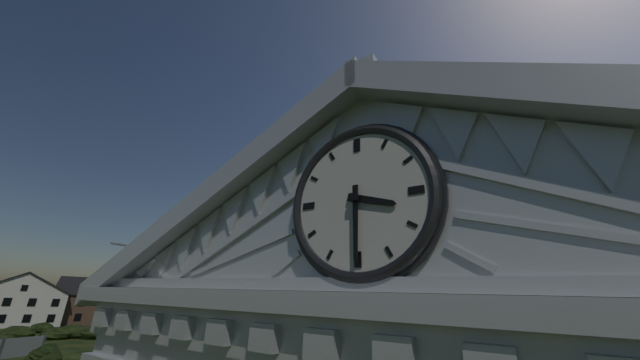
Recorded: h=3 m=30
